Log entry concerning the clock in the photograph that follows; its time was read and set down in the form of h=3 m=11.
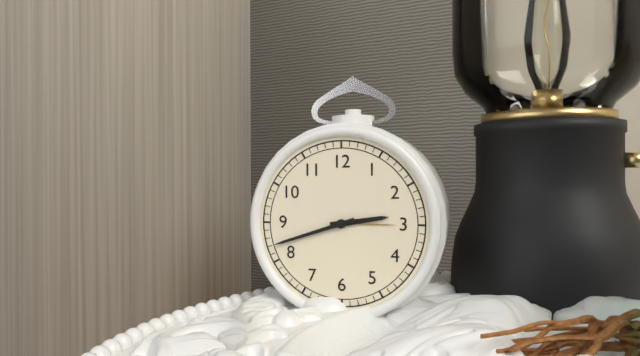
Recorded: h=2 m=42
